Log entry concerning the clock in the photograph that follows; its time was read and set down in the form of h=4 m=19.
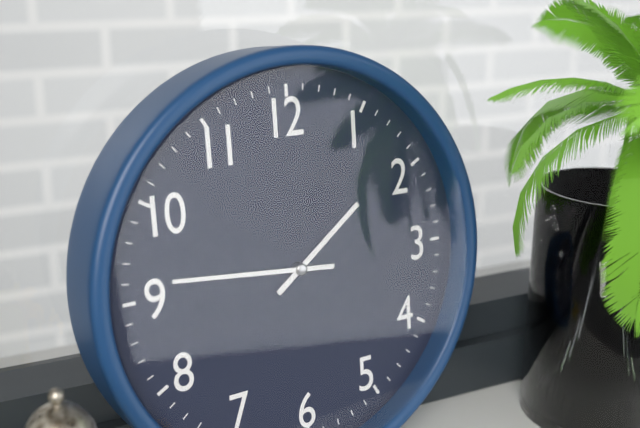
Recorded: h=1 m=46
